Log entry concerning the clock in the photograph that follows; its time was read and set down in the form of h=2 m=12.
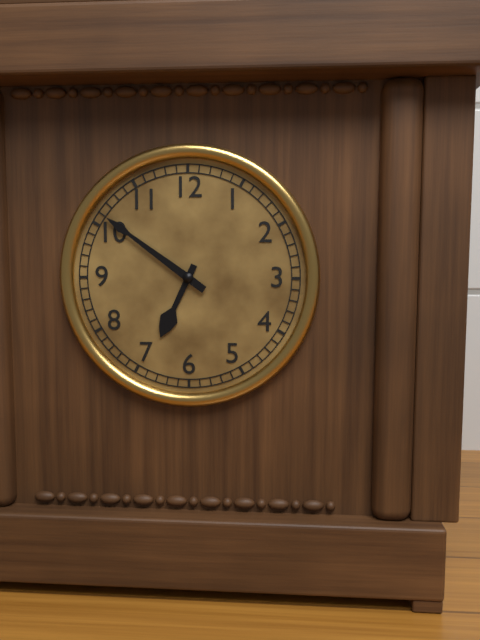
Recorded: h=6 m=51
